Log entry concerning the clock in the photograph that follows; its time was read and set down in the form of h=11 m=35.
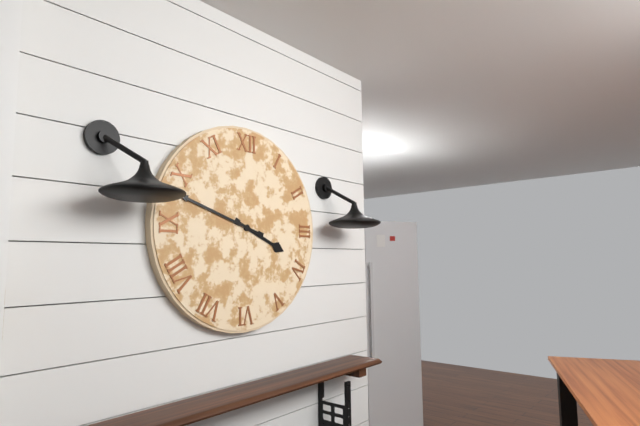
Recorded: h=3 m=48
